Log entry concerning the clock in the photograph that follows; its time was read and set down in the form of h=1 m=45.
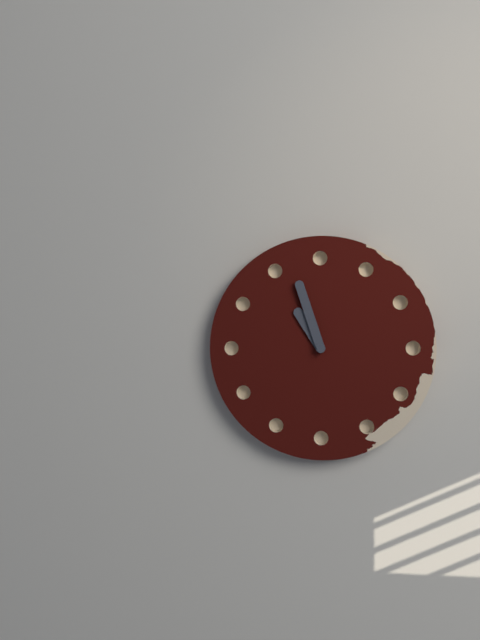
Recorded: h=10 m=57
